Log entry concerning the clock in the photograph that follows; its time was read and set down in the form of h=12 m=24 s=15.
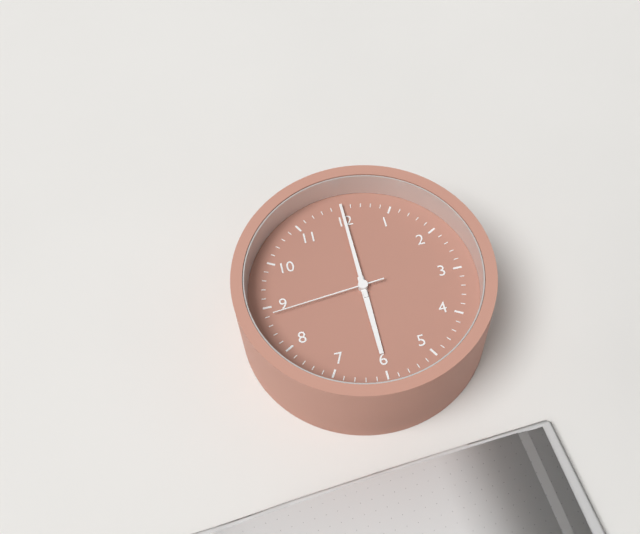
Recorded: h=6 m=0 s=44
